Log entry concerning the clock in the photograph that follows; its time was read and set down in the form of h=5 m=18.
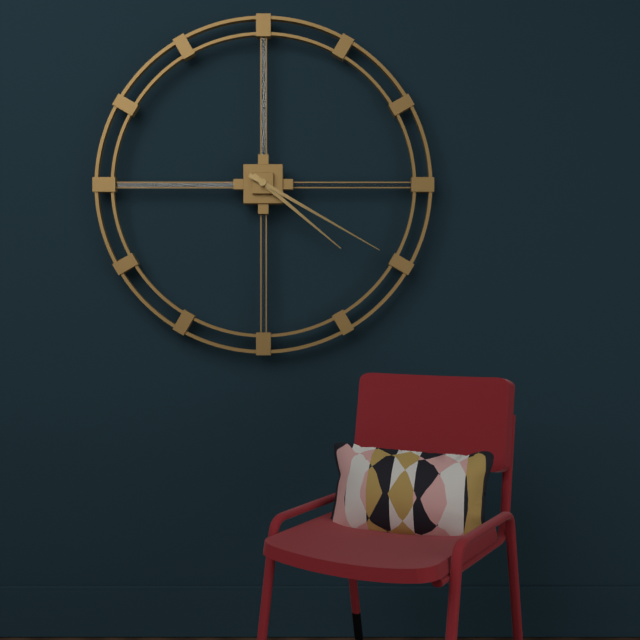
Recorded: h=4 m=20
